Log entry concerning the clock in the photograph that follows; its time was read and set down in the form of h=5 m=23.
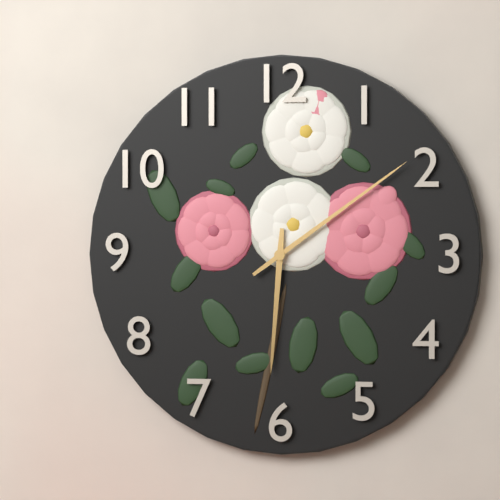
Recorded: h=6 m=9
